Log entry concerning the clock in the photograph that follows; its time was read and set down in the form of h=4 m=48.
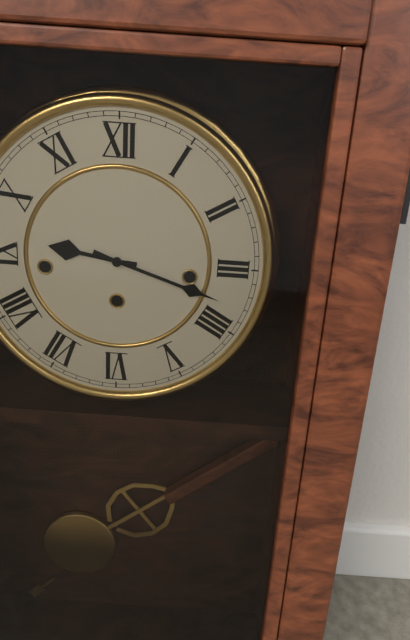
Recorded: h=9 m=18
